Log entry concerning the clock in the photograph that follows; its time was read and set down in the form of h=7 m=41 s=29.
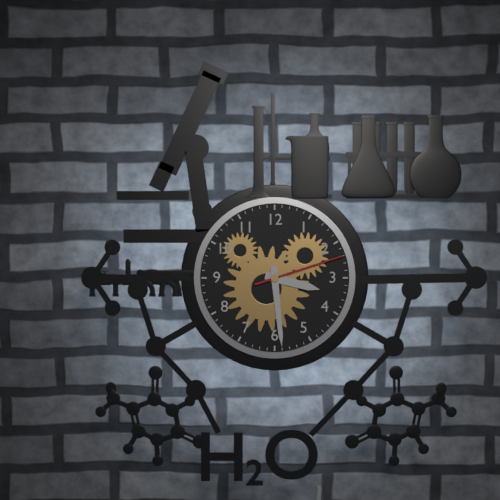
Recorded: h=3 m=29 s=12
